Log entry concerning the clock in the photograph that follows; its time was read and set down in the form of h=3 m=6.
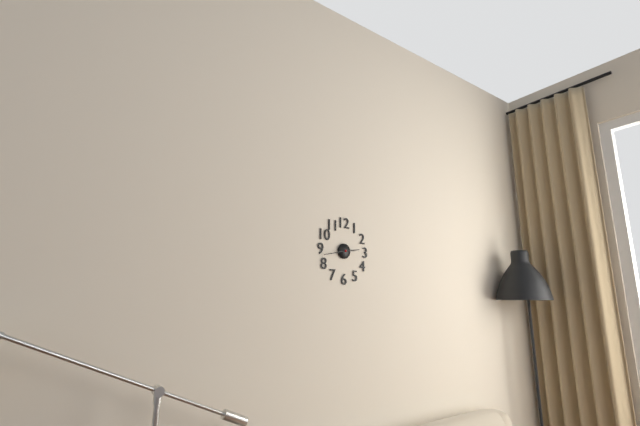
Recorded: h=2 m=43
